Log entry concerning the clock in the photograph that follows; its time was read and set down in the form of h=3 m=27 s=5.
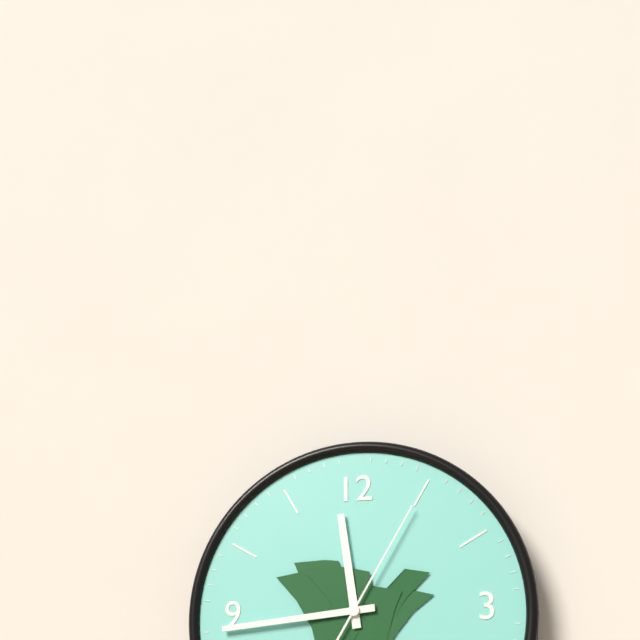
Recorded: h=11 m=44 s=5
